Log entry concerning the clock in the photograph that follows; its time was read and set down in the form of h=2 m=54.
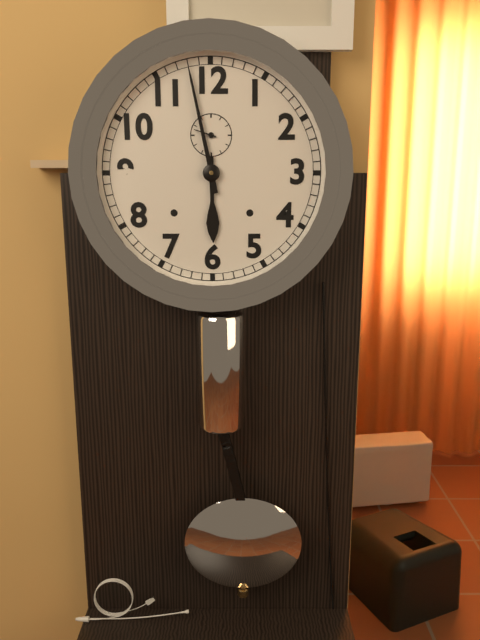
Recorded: h=5 m=58
